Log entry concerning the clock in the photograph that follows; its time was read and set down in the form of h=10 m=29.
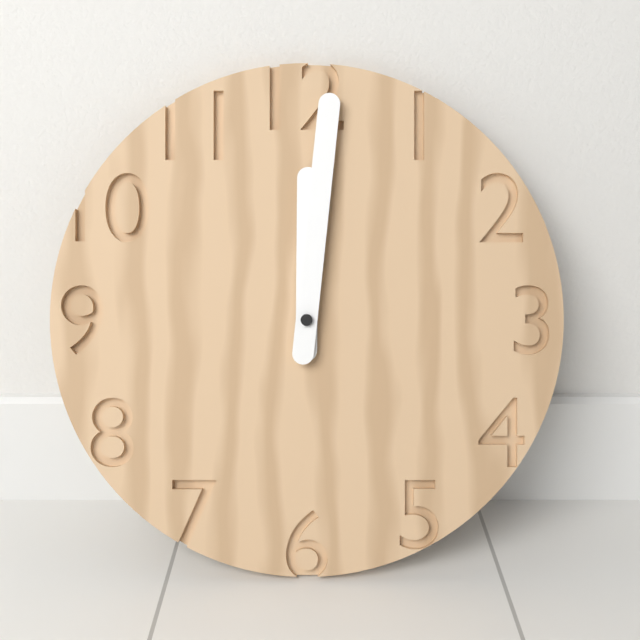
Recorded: h=12 m=1
